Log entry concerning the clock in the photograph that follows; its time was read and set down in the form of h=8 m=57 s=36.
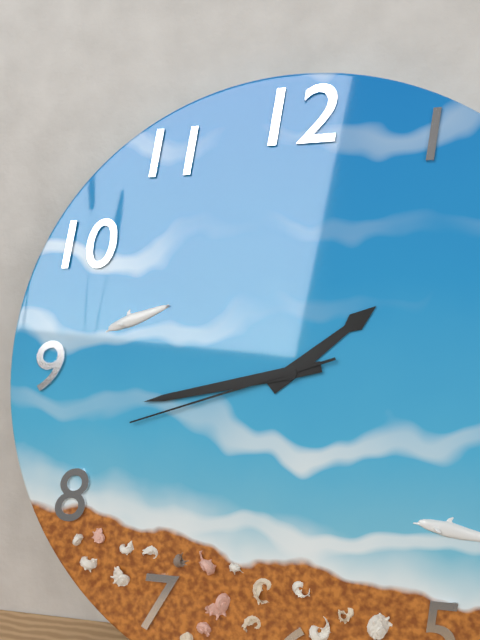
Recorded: h=1 m=43 s=42
